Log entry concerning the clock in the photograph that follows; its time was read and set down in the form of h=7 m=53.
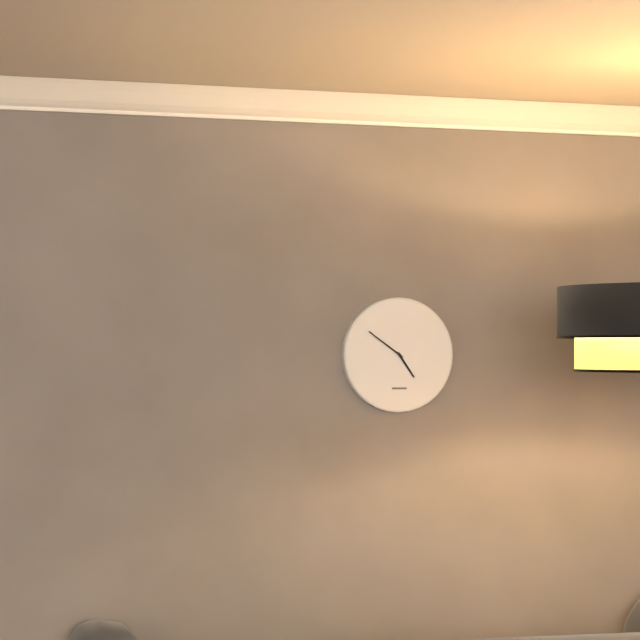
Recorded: h=4 m=51
